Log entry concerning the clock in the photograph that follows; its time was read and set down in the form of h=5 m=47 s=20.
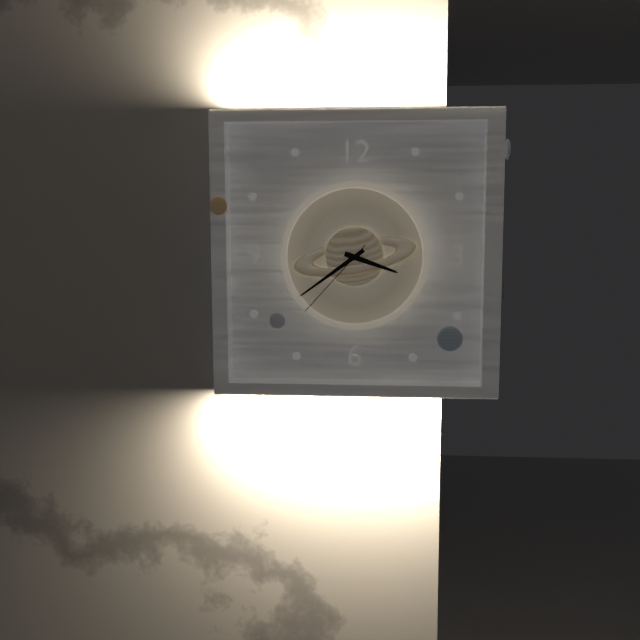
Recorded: h=3 m=39 s=37
